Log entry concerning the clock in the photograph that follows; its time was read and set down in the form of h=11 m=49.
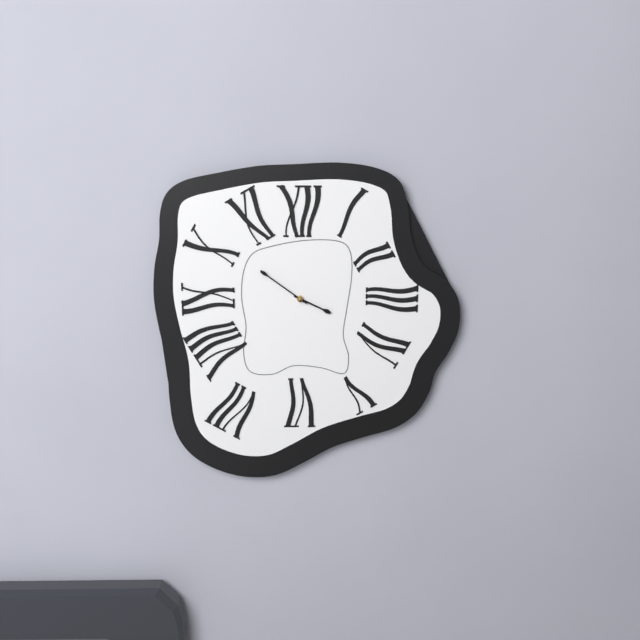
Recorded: h=3 m=51
